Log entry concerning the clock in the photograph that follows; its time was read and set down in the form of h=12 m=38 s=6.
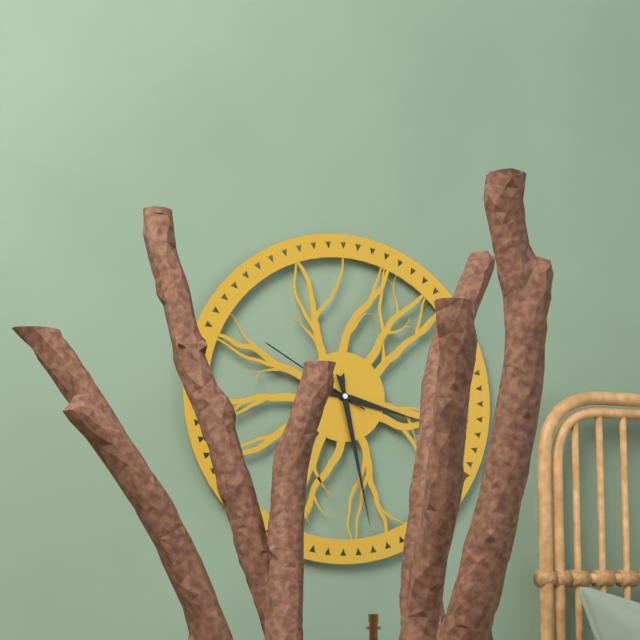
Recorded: h=3 m=28 s=50
